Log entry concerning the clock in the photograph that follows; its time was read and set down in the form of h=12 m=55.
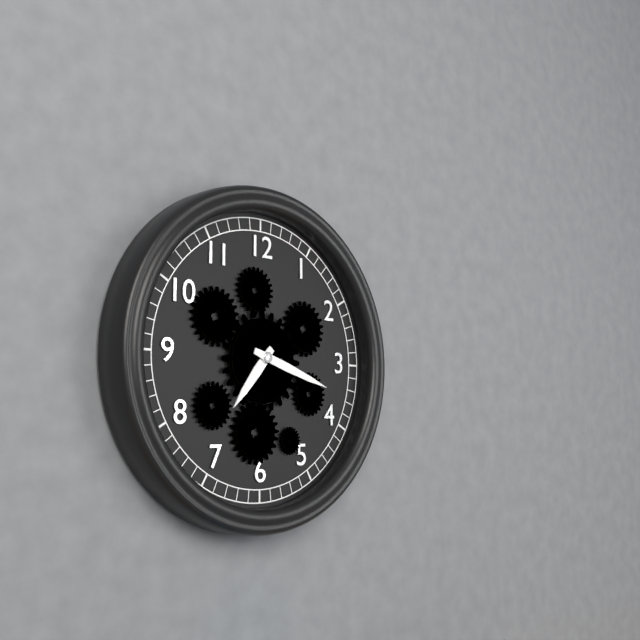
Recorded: h=7 m=18
